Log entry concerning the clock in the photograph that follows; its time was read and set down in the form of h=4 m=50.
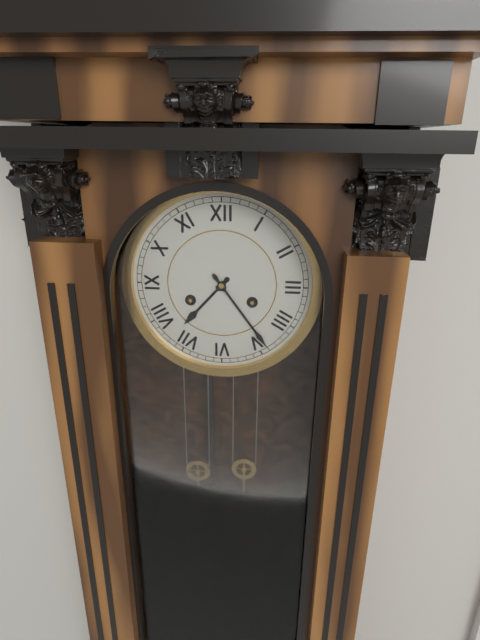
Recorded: h=7 m=24
